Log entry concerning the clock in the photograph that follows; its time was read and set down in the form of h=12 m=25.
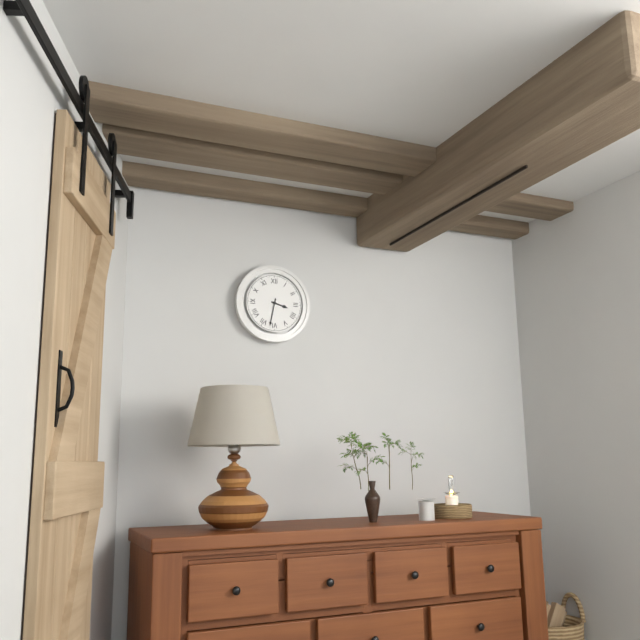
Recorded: h=3 m=32
